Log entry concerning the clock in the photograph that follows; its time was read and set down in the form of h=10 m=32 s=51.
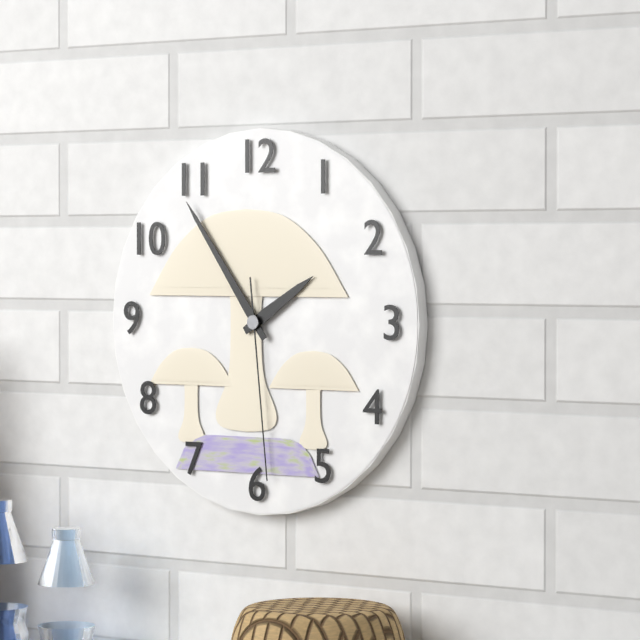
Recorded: h=1 m=54 s=29
